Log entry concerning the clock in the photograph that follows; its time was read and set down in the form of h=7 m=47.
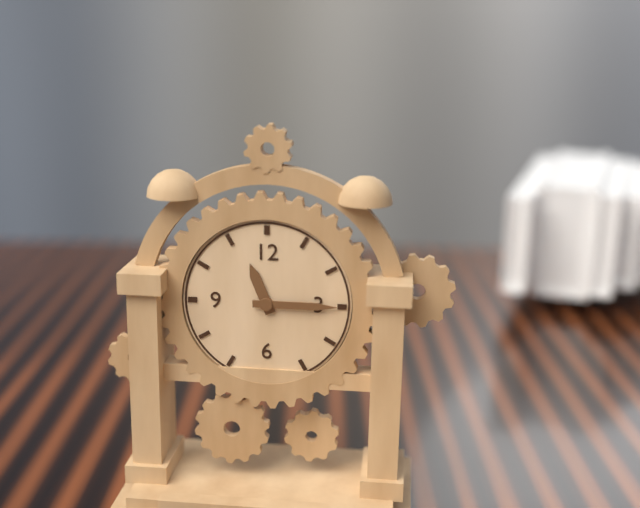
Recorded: h=11 m=15
